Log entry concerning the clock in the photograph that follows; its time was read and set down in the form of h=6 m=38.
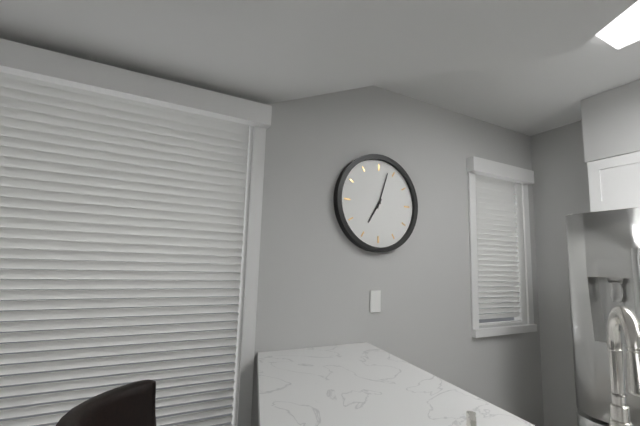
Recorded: h=7 m=3
